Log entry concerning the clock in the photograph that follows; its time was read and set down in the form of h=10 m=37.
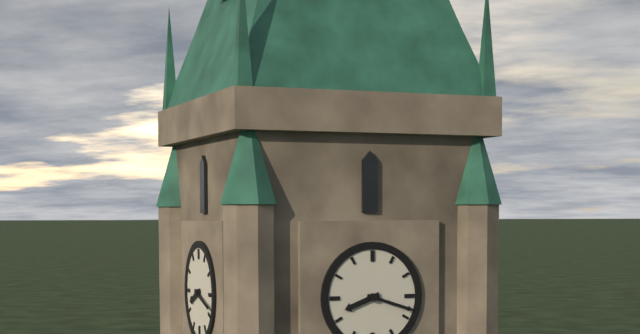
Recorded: h=8 m=18
